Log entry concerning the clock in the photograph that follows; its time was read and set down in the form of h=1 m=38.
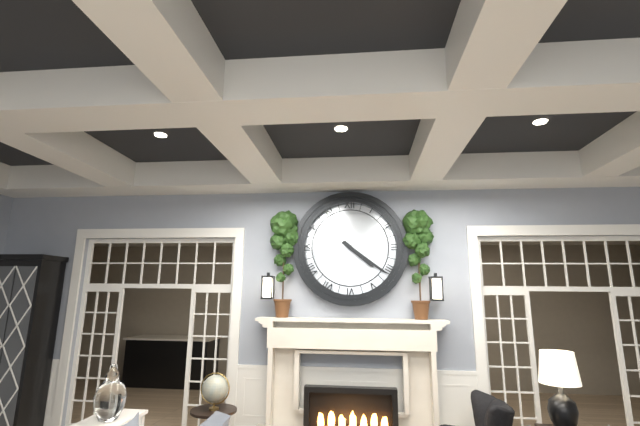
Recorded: h=4 m=21
